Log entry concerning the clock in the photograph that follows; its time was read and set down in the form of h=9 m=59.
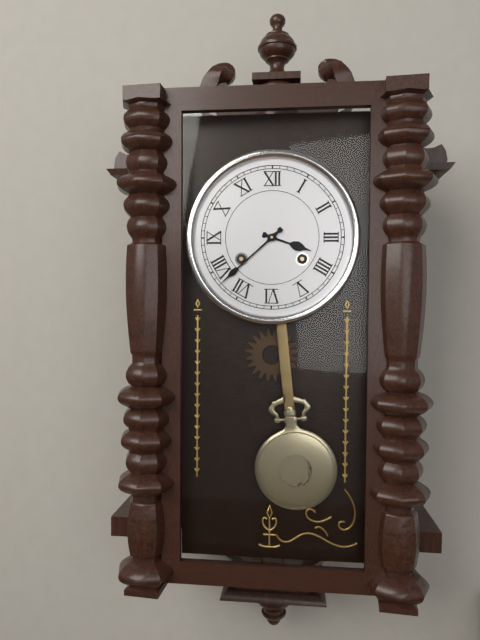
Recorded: h=3 m=38
